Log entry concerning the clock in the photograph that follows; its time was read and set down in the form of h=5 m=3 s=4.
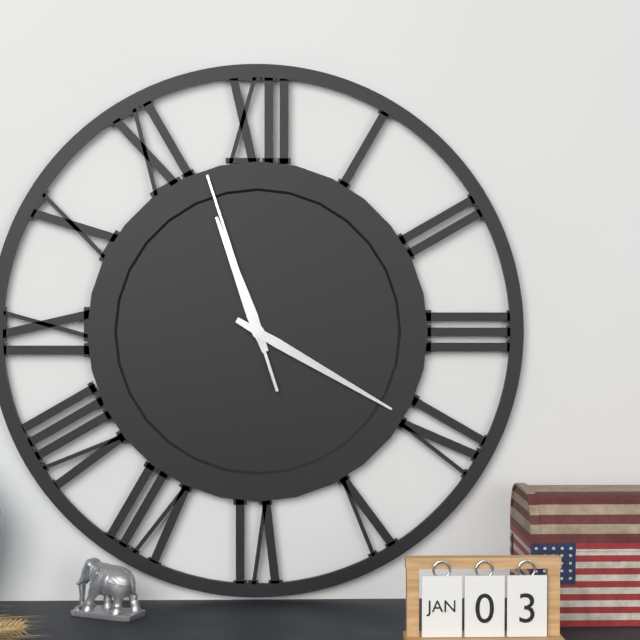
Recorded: h=11 m=20 s=57
